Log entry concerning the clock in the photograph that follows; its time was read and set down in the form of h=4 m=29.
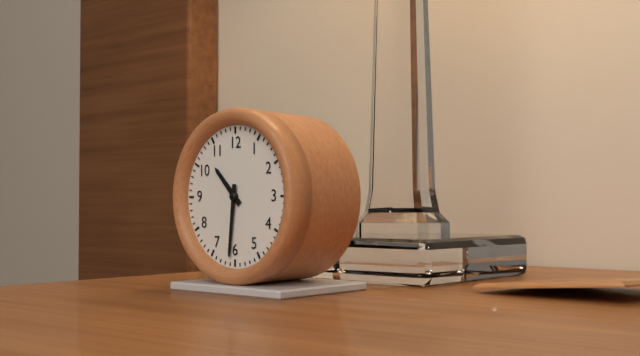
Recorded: h=10 m=31
